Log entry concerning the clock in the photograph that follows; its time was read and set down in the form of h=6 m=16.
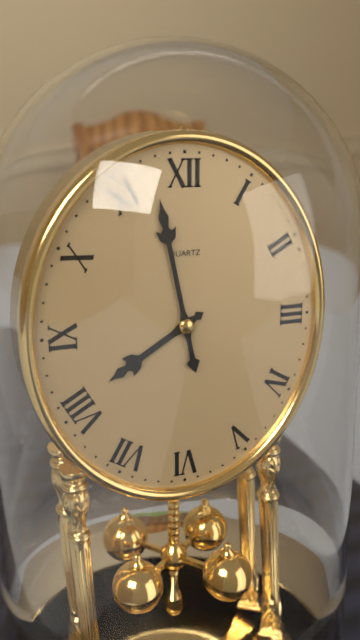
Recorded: h=7 m=58
